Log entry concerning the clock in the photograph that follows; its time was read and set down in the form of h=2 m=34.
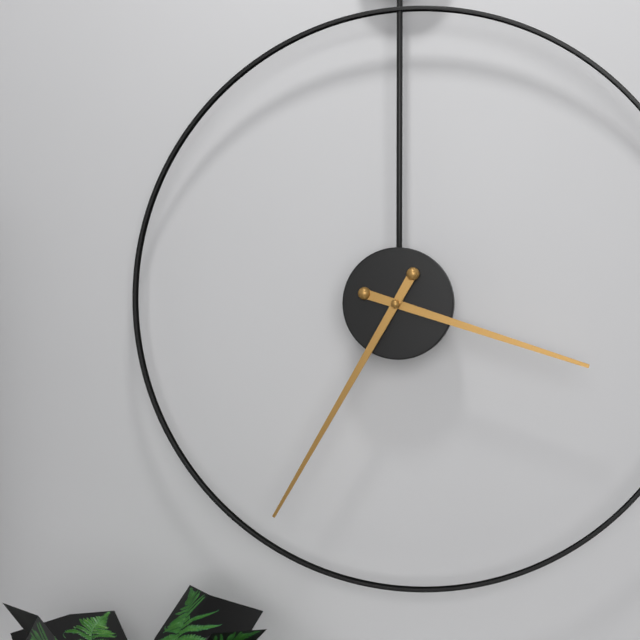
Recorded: h=3 m=35
